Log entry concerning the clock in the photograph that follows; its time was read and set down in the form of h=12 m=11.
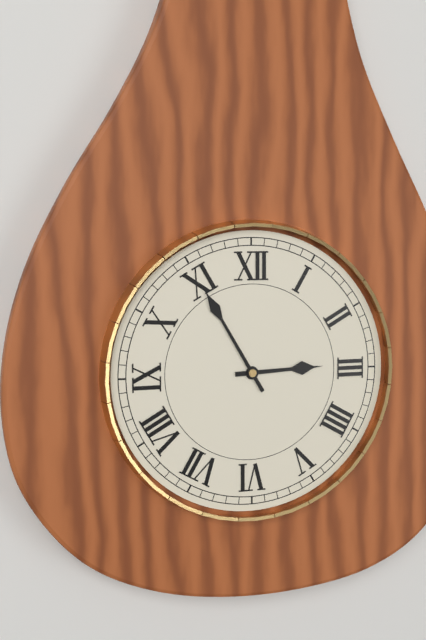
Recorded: h=2 m=55
